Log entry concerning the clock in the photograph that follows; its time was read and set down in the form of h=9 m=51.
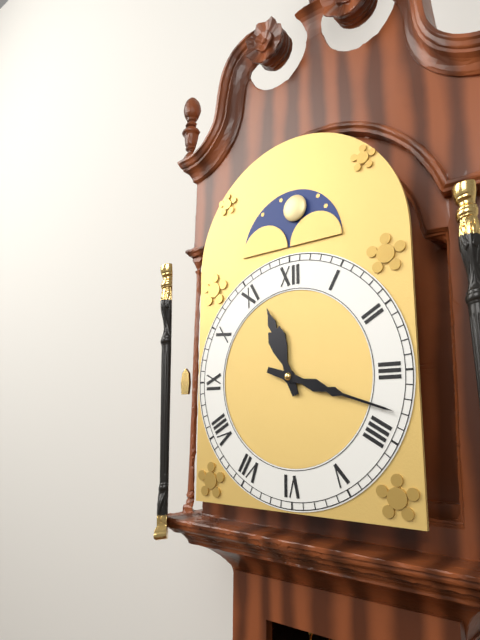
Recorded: h=11 m=18
